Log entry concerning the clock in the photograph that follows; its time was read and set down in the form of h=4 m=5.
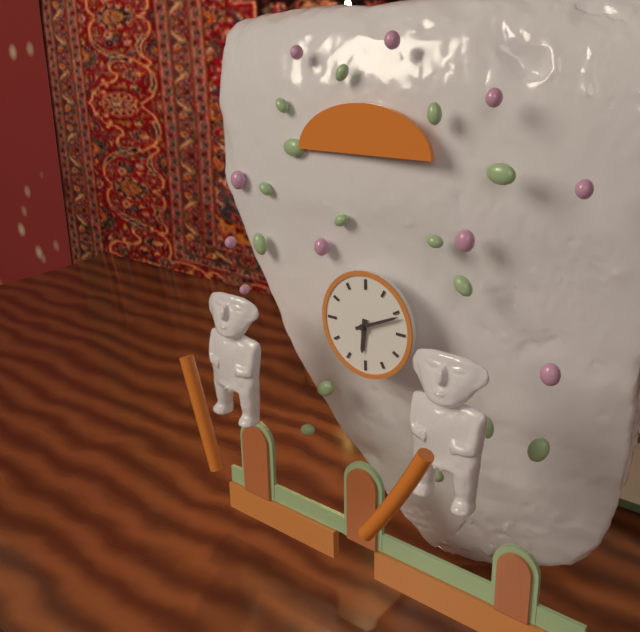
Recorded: h=6 m=11
